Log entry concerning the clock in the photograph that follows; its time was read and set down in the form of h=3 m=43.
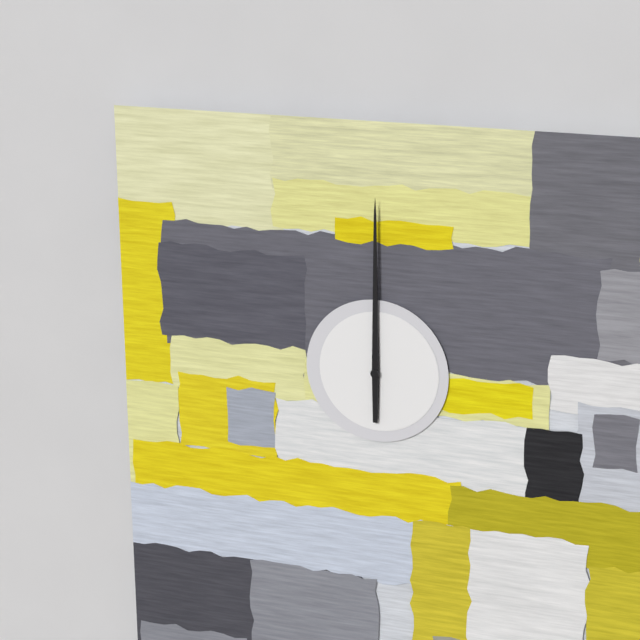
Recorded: h=12 m=0
